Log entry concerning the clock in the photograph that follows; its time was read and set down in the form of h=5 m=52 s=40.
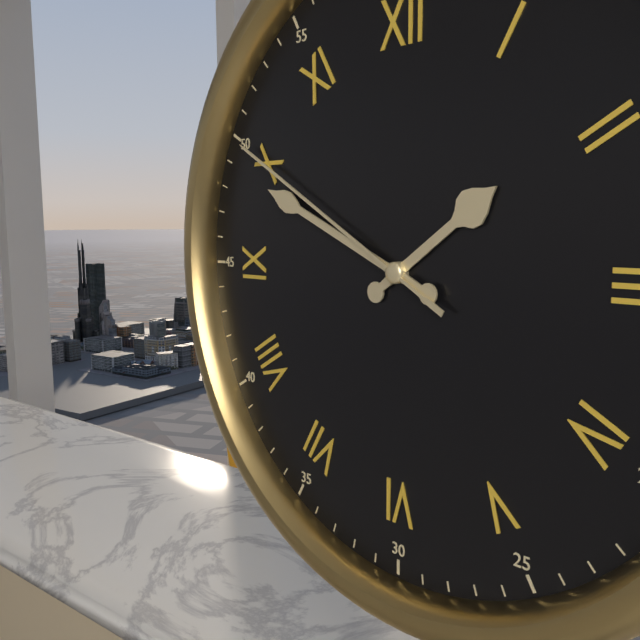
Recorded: h=1 m=49 s=50
